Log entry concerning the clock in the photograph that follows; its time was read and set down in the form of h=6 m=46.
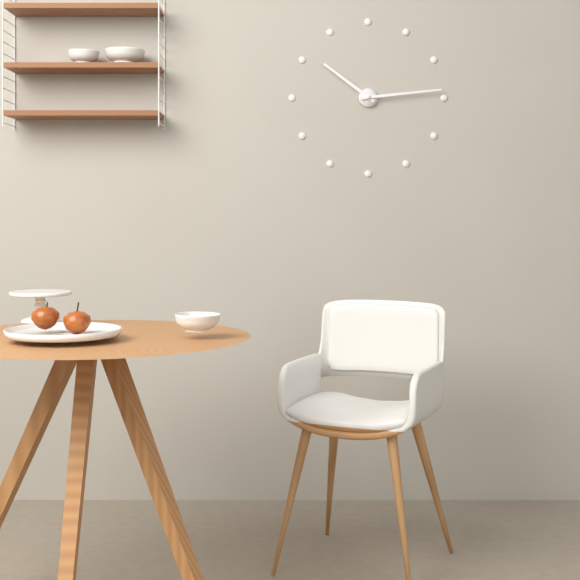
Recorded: h=10 m=14
